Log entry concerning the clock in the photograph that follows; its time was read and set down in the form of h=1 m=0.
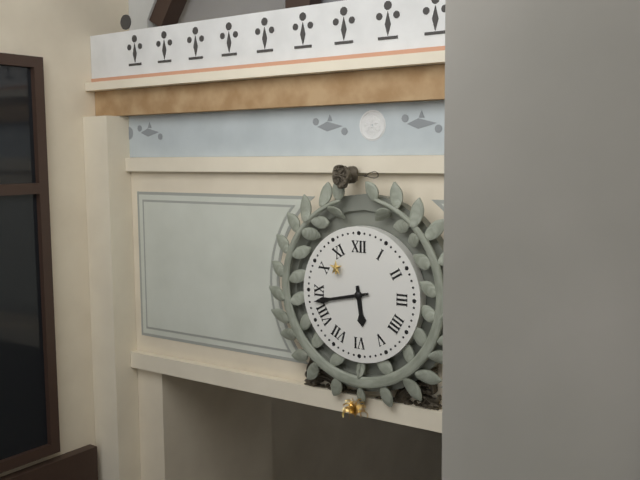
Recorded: h=5 m=43
